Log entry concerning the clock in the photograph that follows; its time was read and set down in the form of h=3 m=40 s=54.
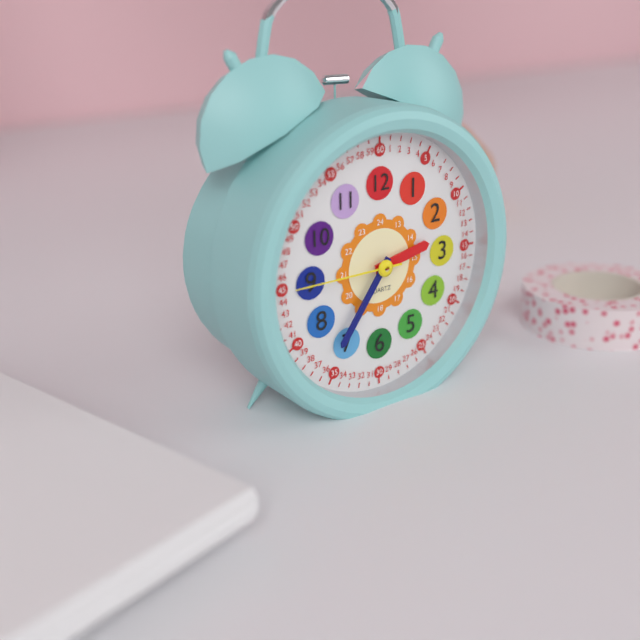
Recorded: h=2 m=36 s=45
